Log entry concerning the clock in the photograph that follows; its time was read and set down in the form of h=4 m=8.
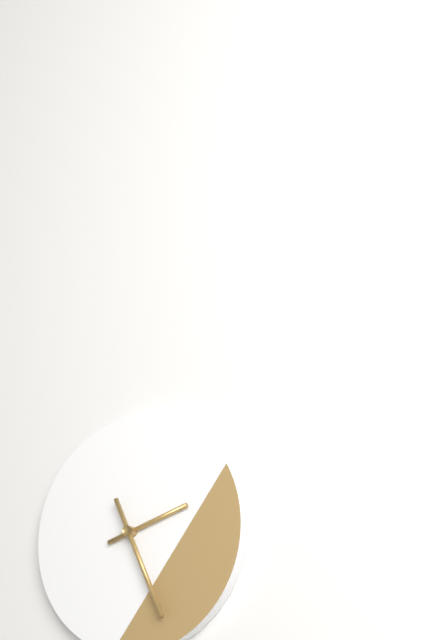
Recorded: h=2 m=26
